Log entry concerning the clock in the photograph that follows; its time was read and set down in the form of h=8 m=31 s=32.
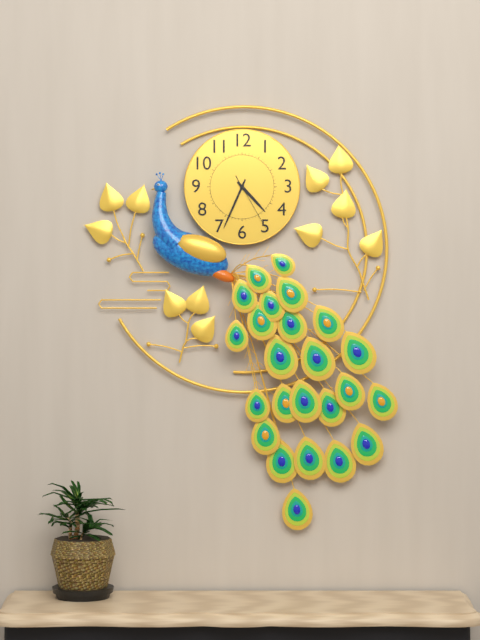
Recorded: h=4 m=34 s=25
